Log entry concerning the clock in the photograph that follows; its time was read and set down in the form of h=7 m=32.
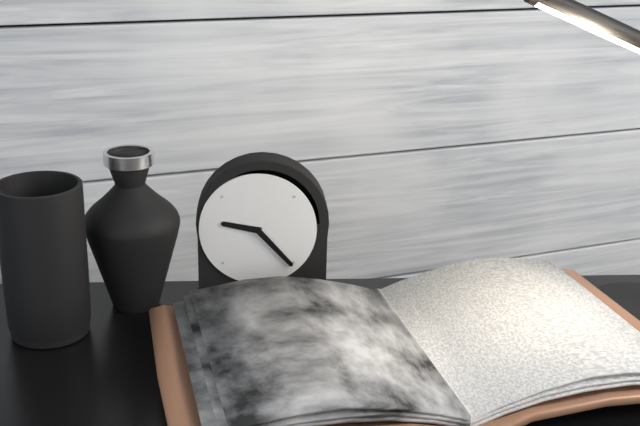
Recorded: h=9 m=23
